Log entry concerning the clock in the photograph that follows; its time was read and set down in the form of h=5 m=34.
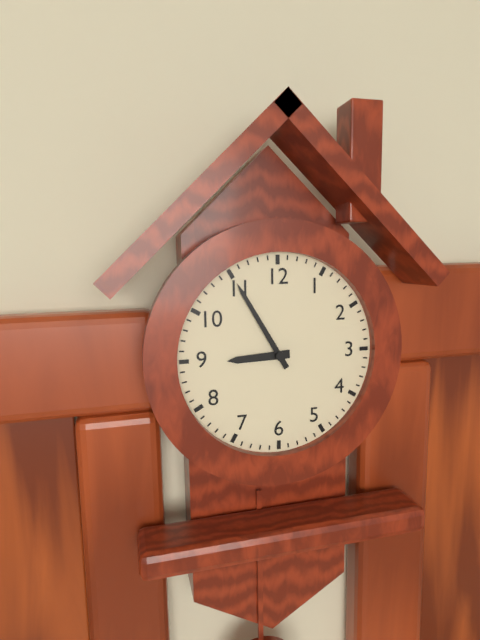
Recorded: h=8 m=55
